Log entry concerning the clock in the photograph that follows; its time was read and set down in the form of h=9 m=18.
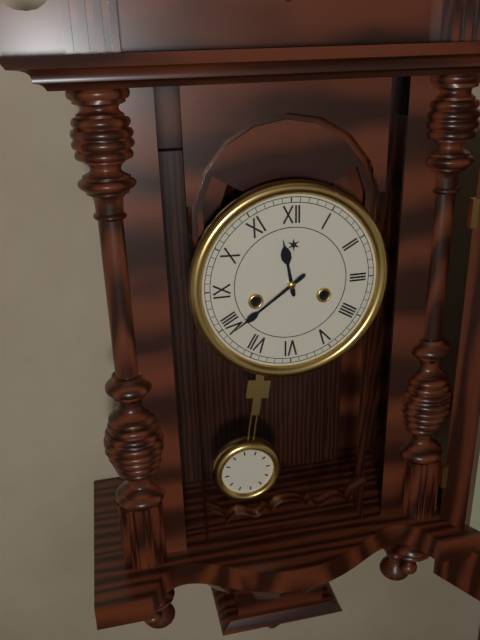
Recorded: h=11 m=39
